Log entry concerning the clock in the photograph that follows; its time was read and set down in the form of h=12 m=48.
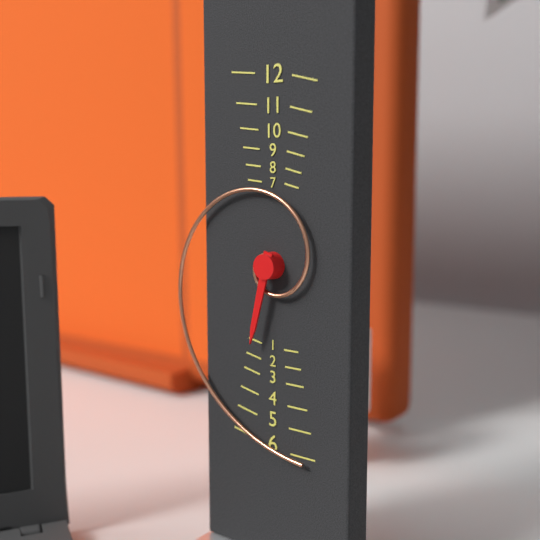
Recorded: h=6 m=28
